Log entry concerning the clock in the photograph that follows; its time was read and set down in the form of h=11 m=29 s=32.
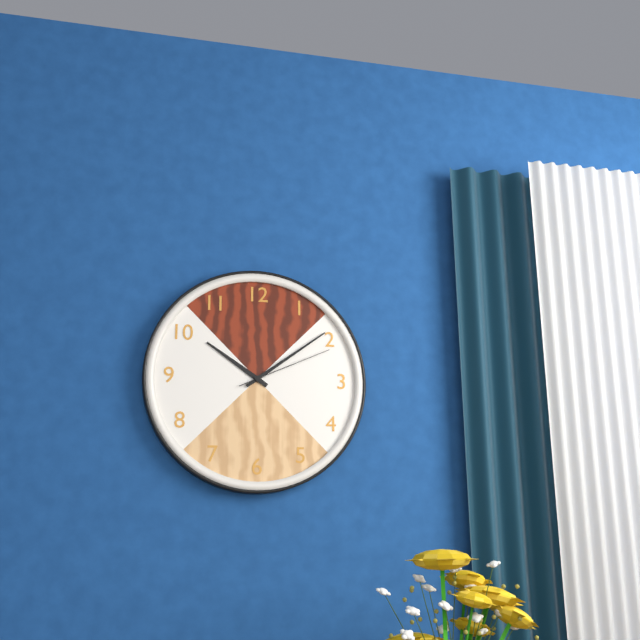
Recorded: h=10 m=9 s=11
